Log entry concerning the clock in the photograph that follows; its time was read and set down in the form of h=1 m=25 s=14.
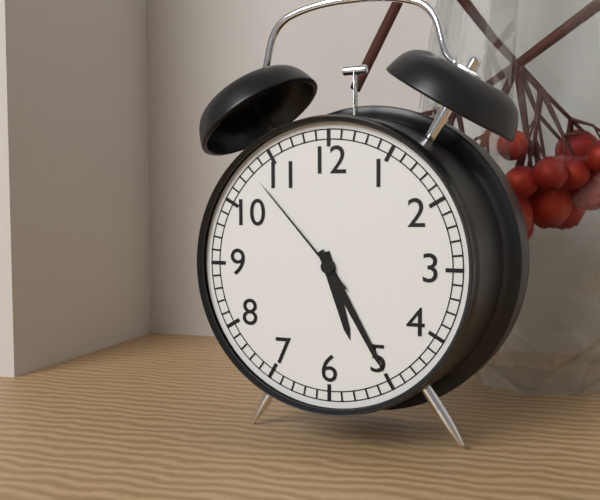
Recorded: h=5 m=25 s=53
